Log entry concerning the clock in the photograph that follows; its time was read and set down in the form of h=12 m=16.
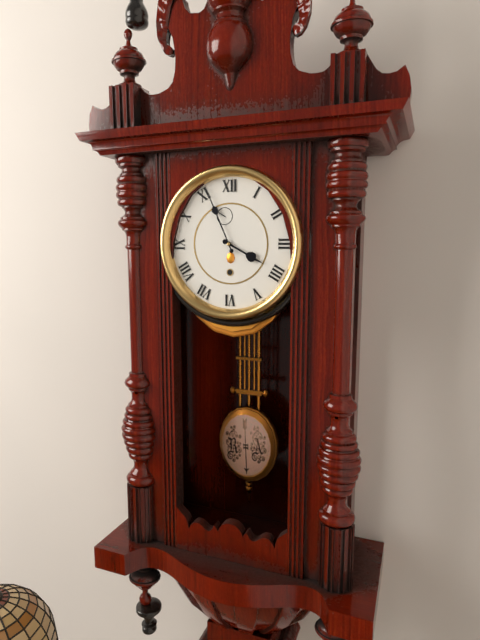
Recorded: h=3 m=56
